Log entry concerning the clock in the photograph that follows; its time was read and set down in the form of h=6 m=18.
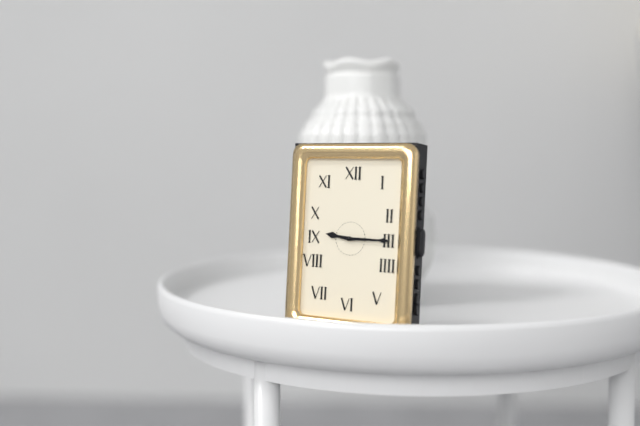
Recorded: h=9 m=15
